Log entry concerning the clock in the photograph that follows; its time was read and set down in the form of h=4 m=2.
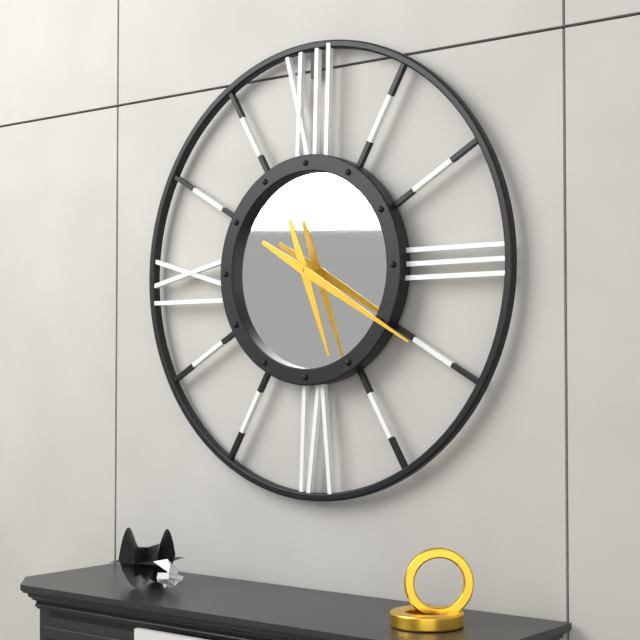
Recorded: h=5 m=20
